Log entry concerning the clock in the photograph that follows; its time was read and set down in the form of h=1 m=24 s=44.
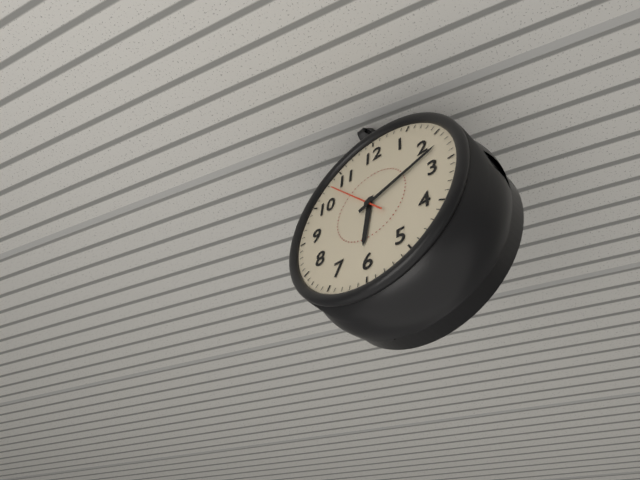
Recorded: h=6 m=12 s=53
